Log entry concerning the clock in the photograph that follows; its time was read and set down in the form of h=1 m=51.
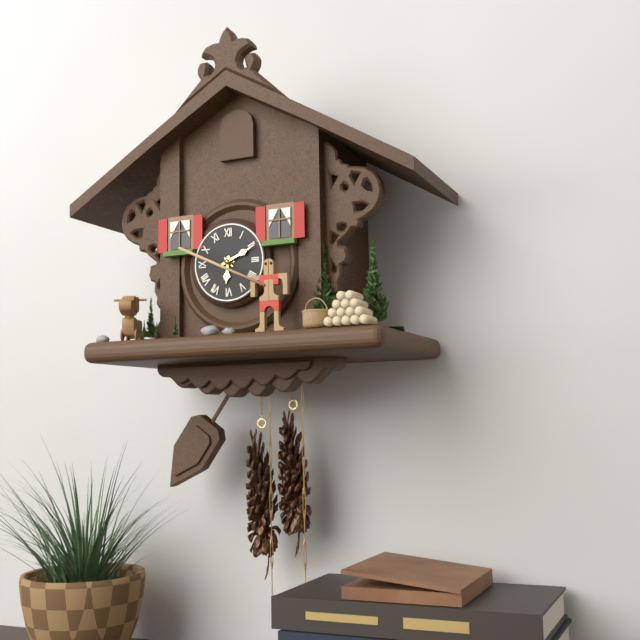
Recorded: h=6 m=11
